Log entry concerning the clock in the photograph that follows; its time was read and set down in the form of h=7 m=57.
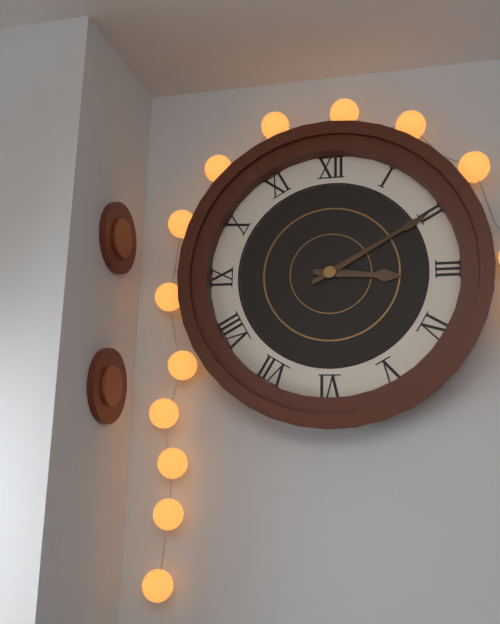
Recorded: h=3 m=10
